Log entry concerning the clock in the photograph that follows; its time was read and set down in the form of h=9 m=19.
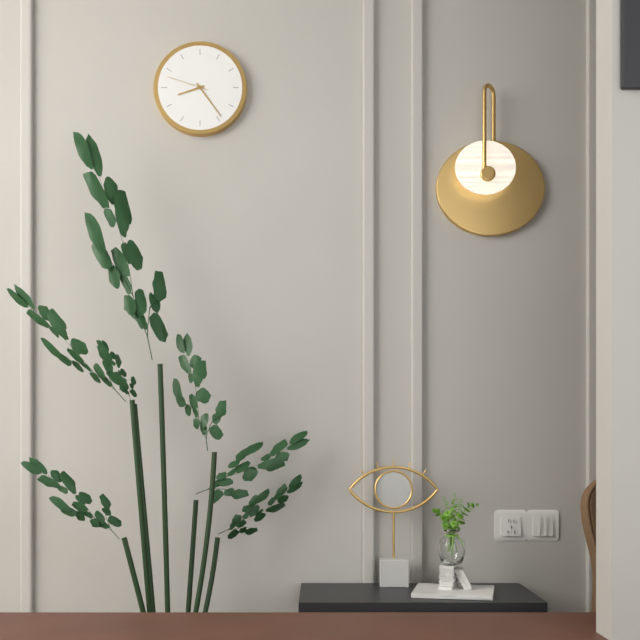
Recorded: h=8 m=24
